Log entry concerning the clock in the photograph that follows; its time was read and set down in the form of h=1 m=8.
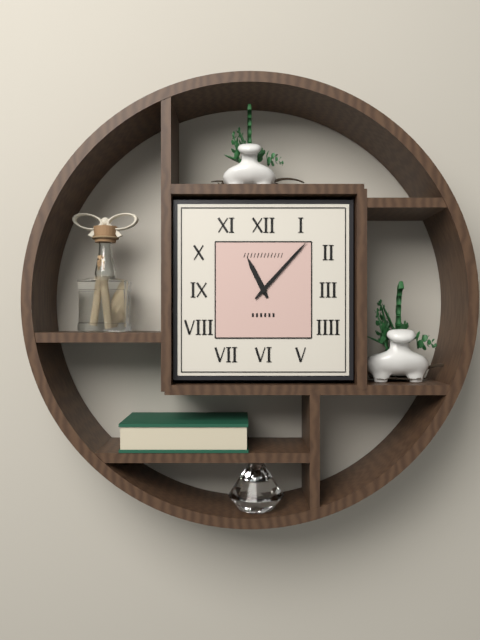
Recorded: h=11 m=7
